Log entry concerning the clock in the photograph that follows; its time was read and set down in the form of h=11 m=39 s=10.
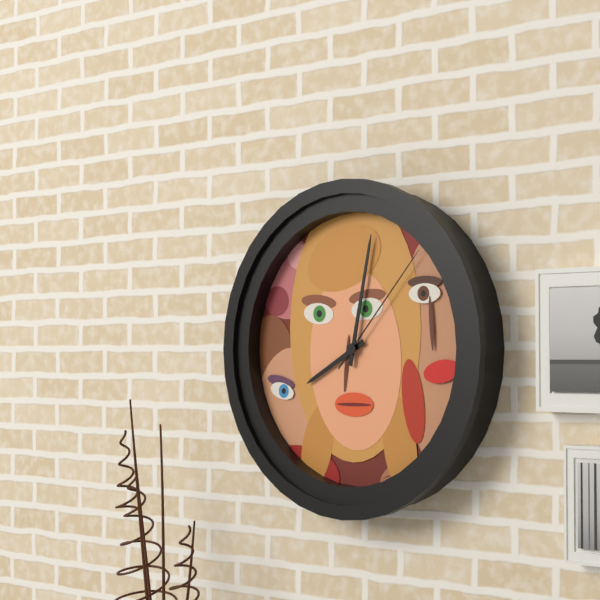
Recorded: h=8 m=2 s=7
